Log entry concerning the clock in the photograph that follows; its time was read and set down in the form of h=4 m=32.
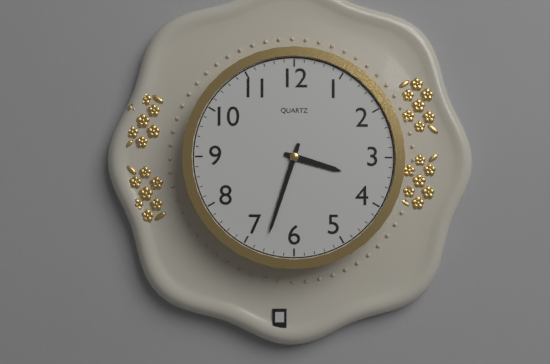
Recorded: h=3 m=33
